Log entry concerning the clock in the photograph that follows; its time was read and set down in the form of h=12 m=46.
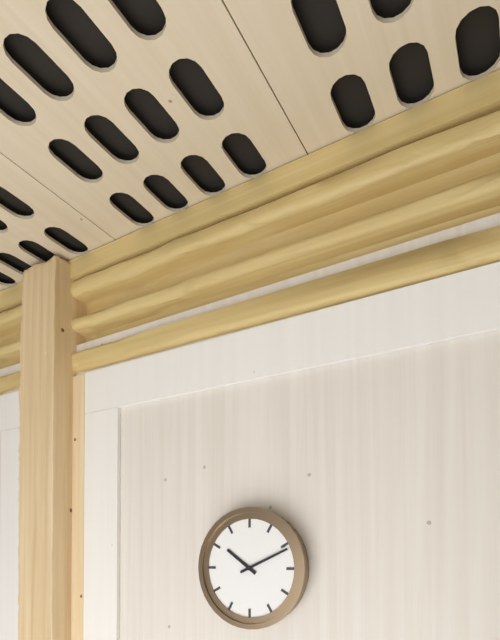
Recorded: h=10 m=11
